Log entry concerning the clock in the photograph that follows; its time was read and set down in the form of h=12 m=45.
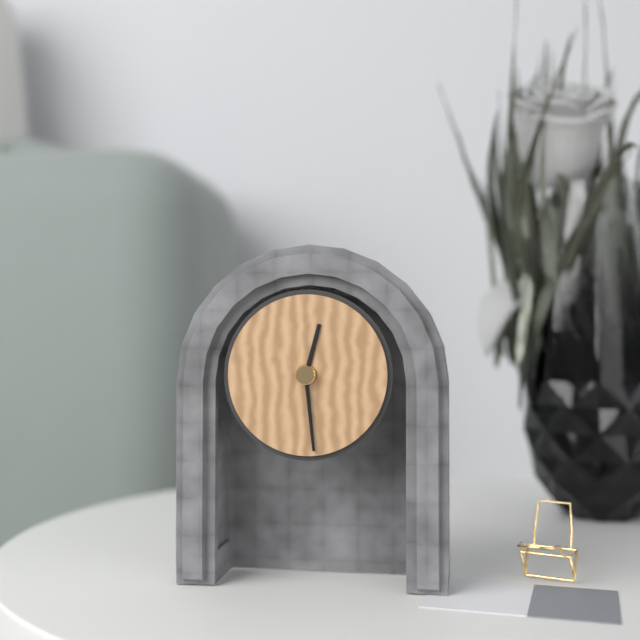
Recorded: h=12 m=29
